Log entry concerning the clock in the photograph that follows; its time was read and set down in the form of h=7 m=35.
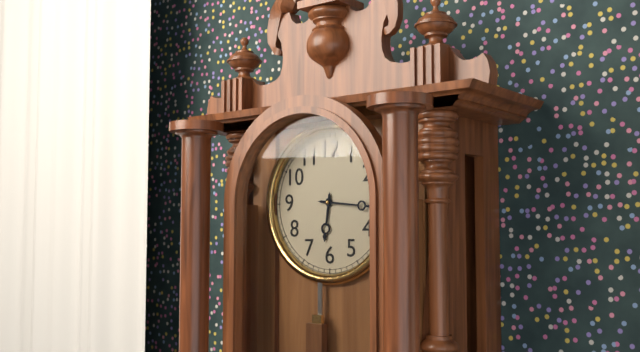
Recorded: h=6 m=16
